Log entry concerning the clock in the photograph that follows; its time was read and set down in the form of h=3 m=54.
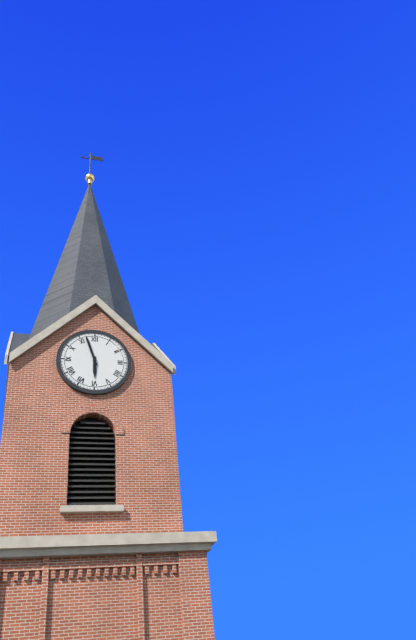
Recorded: h=5 m=57
